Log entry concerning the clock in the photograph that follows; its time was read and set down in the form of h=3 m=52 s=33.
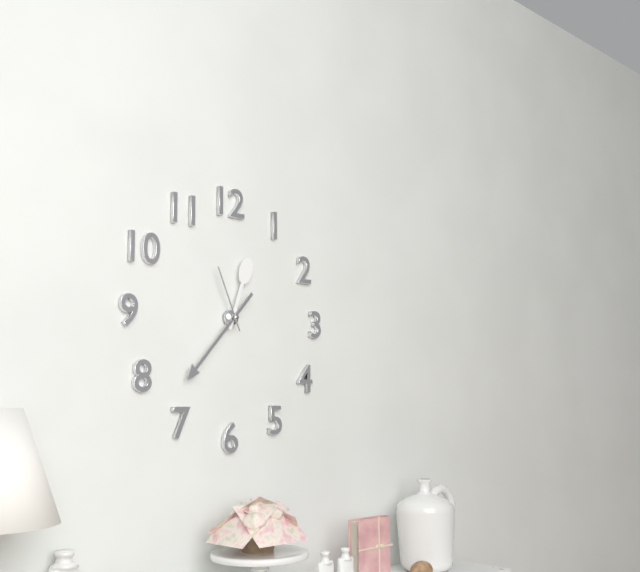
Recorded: h=12 m=37 s=56
